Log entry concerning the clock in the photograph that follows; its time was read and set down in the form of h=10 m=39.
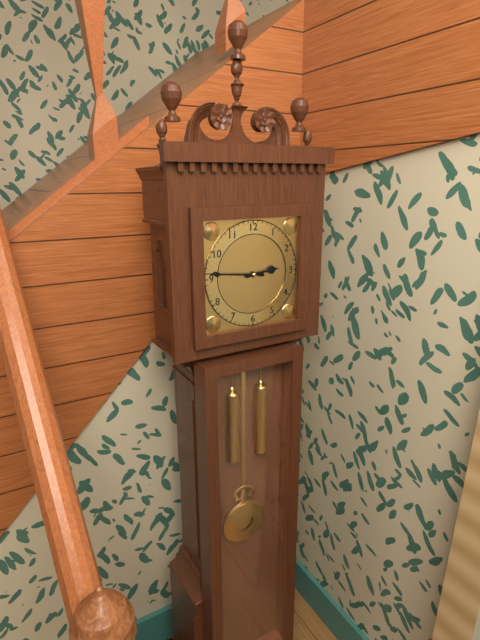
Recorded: h=2 m=46
